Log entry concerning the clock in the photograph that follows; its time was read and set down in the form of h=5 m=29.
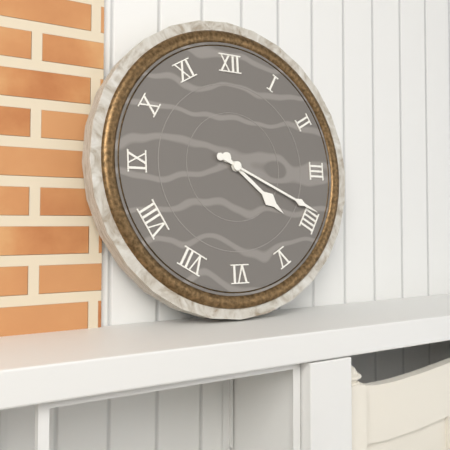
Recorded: h=4 m=19
